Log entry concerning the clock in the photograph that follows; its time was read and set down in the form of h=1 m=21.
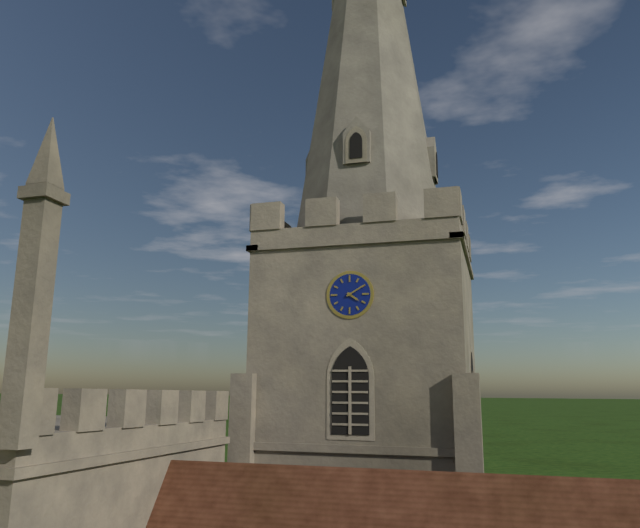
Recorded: h=4 m=10
